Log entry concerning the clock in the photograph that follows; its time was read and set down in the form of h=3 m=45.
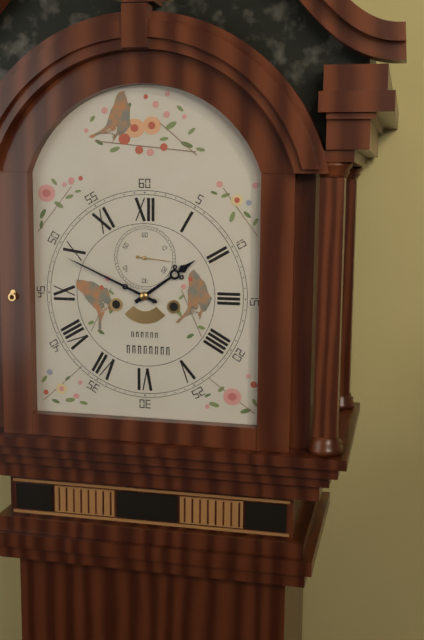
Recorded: h=1 m=49
